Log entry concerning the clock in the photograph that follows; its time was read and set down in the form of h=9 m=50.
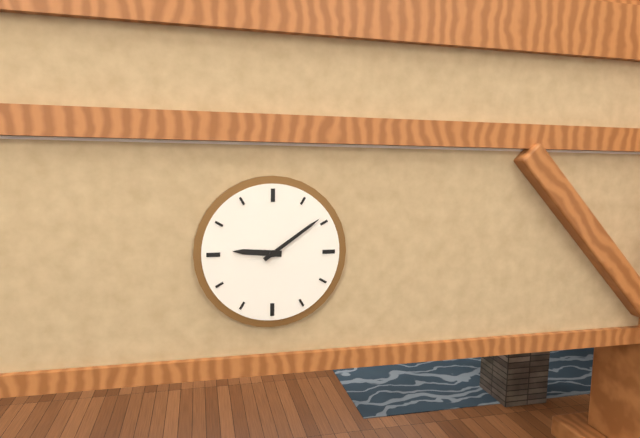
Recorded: h=9 m=9
